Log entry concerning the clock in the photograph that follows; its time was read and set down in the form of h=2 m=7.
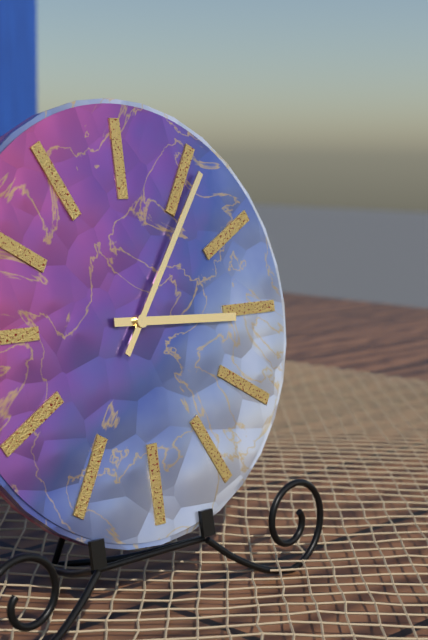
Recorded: h=3 m=6
